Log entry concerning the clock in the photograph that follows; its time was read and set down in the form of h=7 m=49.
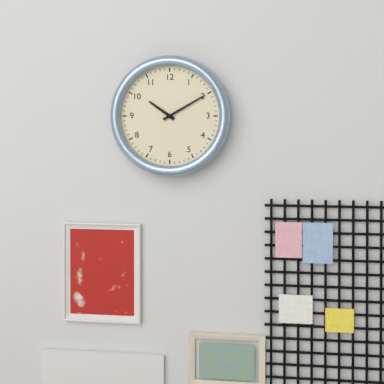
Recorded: h=10 m=10
